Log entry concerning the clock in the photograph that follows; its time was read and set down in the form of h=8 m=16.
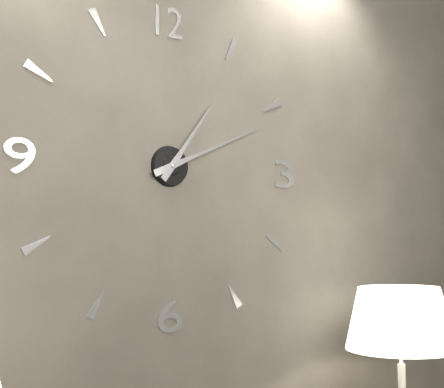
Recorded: h=1 m=11
